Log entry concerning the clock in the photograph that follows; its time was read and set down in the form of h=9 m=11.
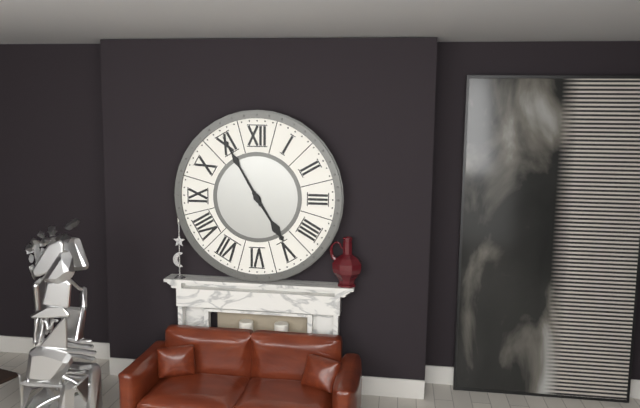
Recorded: h=4 m=55
